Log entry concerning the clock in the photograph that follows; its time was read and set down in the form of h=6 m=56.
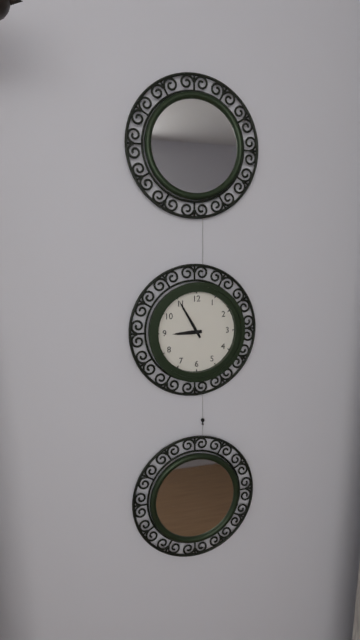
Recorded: h=8 m=55
